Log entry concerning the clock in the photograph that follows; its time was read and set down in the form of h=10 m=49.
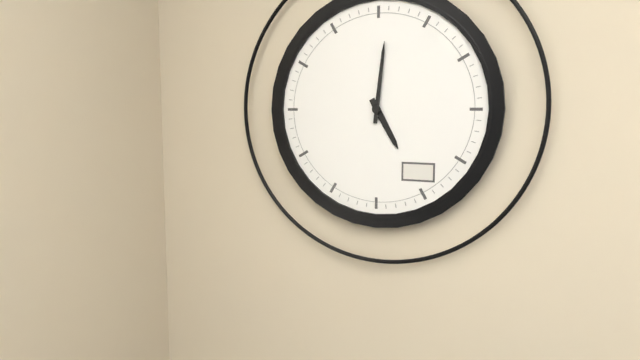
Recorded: h=5 m=1
